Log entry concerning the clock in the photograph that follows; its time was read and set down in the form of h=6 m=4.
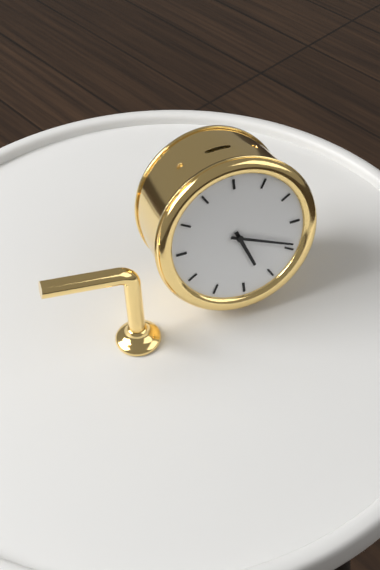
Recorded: h=5 m=19
